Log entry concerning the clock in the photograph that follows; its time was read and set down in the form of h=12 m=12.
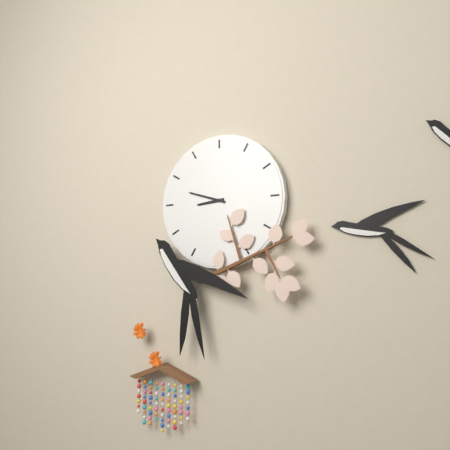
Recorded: h=8 m=48
